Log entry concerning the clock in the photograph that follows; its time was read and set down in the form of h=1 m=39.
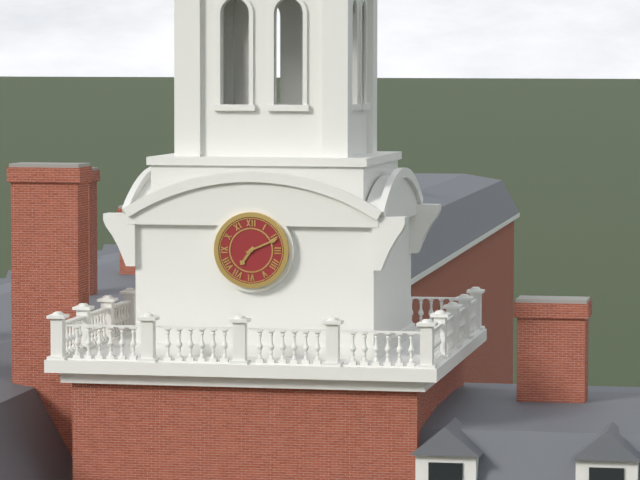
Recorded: h=7 m=11
